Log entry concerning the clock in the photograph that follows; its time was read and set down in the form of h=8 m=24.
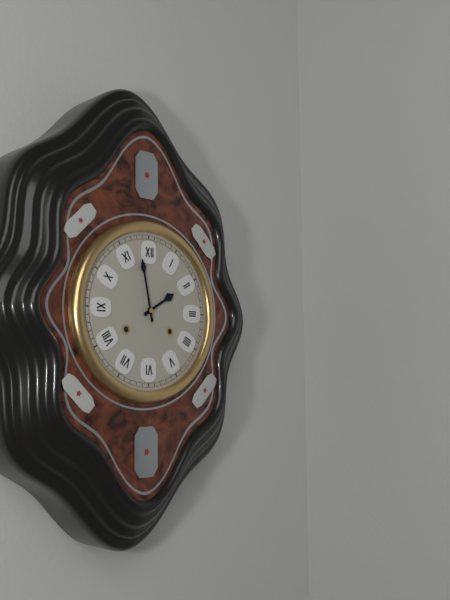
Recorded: h=1 m=58
